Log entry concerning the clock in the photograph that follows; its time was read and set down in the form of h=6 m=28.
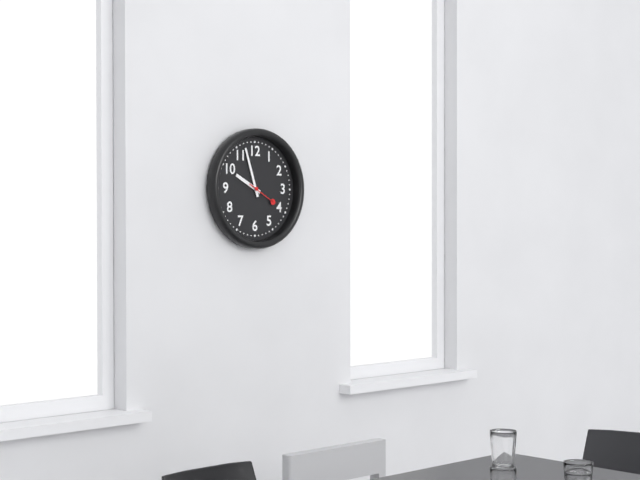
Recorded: h=9 m=57
